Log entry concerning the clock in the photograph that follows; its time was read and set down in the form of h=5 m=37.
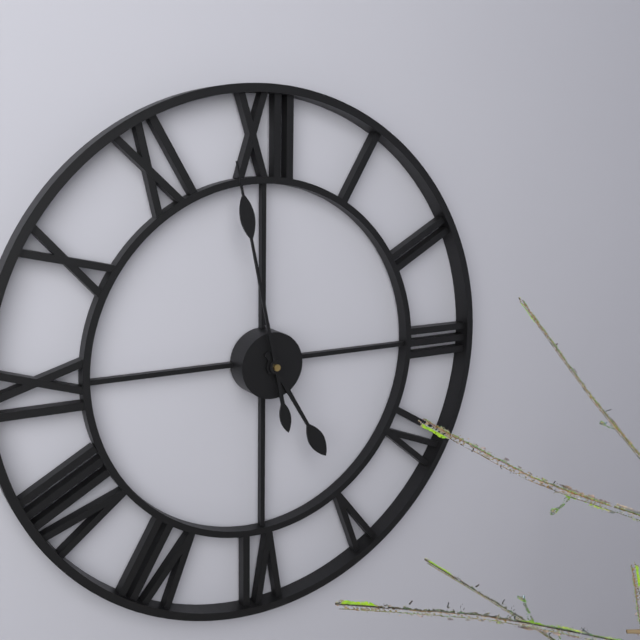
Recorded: h=4 m=58
